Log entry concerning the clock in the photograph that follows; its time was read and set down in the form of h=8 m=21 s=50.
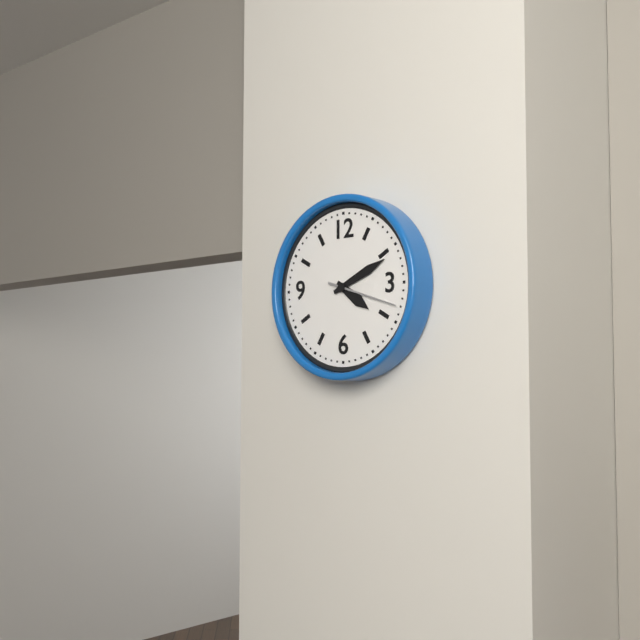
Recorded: h=4 m=11 s=18
